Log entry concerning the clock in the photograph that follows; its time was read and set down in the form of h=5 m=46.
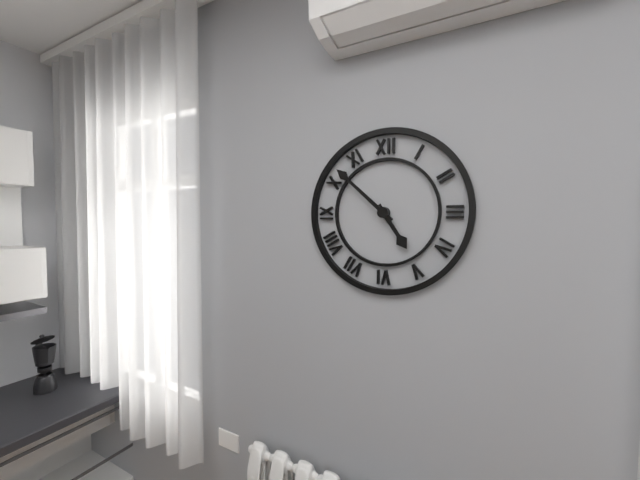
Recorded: h=4 m=52
